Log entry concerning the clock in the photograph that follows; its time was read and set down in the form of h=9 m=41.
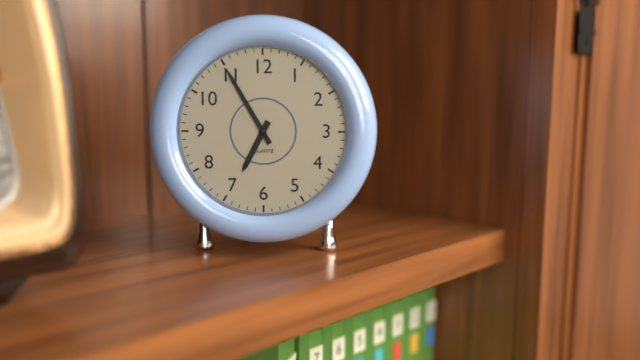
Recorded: h=6 m=55
